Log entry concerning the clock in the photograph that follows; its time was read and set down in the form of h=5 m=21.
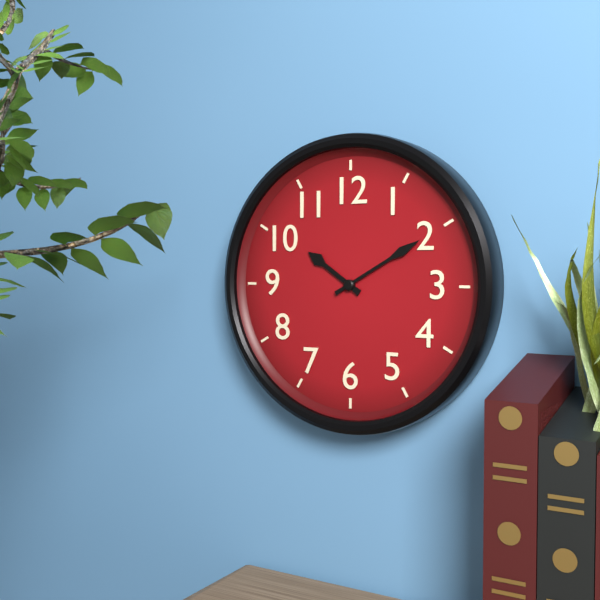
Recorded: h=10 m=10
